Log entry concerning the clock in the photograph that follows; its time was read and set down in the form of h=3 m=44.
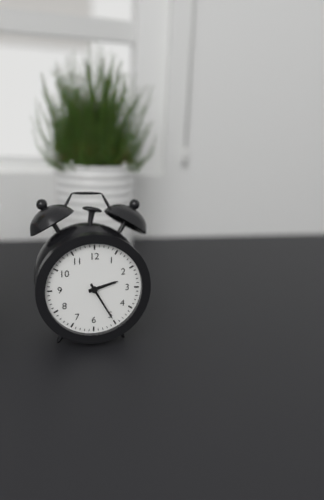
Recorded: h=2 m=25
